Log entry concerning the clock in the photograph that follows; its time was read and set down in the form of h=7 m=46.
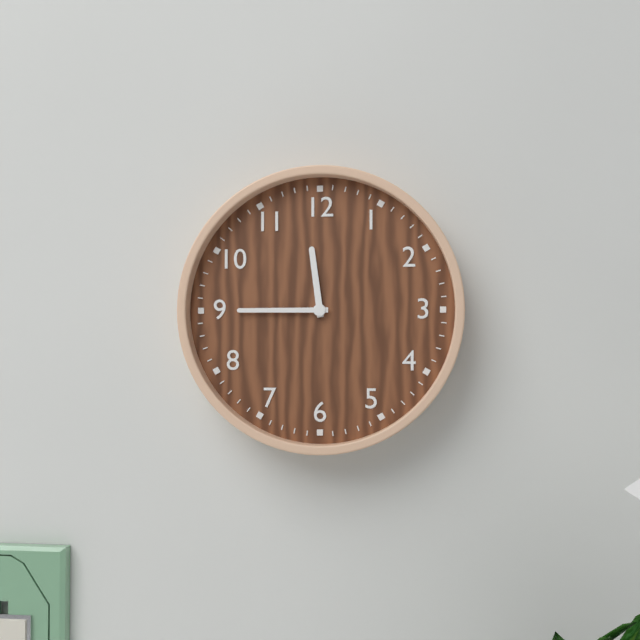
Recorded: h=11 m=45
